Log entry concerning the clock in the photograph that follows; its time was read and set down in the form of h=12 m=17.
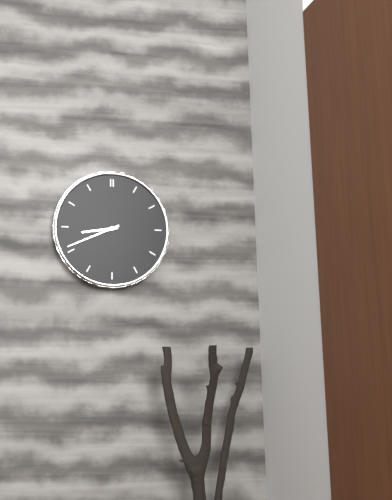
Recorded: h=8 m=41
